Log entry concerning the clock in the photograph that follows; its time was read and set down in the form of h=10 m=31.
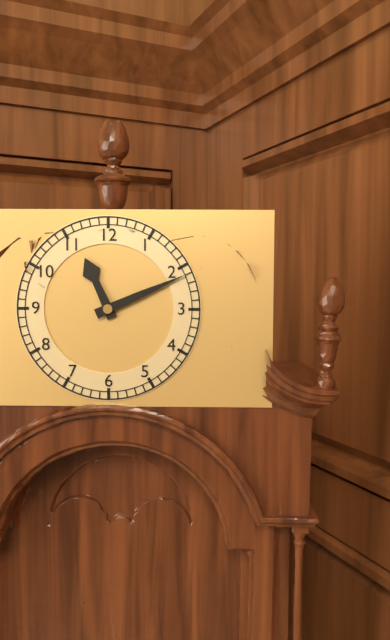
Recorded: h=11 m=11
